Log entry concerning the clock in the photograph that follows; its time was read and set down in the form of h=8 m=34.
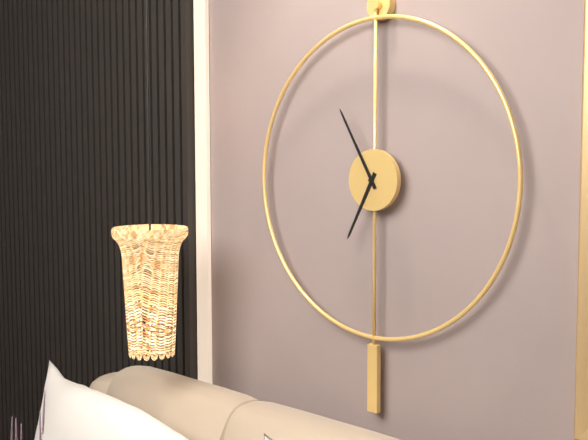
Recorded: h=6 m=55
